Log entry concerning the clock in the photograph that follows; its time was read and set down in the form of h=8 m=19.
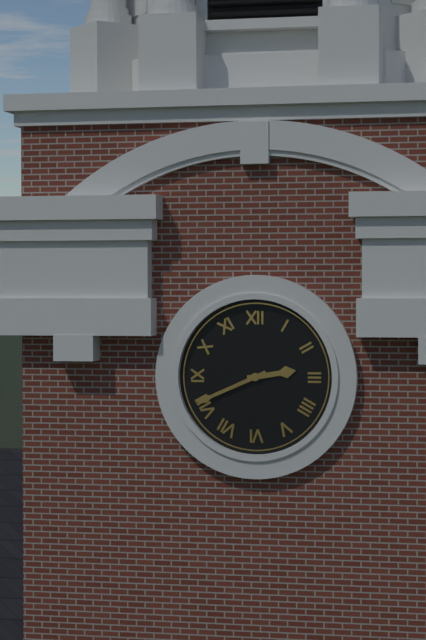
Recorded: h=2 m=41
